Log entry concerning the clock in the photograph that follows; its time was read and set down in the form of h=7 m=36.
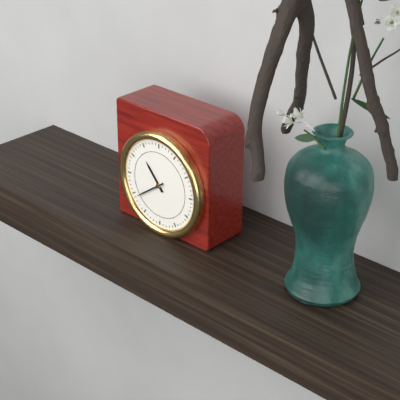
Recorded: h=10 m=39
